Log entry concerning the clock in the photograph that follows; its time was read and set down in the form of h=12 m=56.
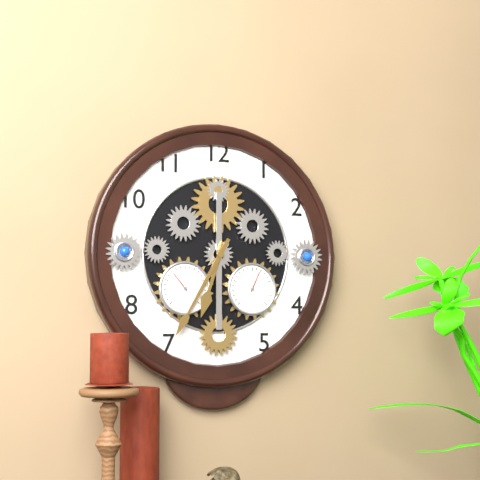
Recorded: h=6 m=35
